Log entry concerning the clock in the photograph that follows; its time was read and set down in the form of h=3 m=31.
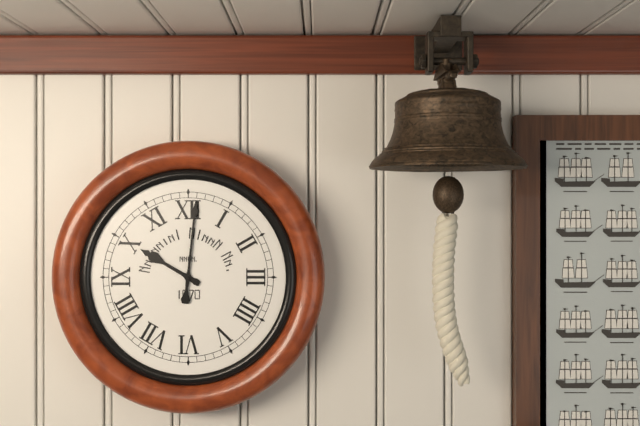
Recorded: h=10 m=1
